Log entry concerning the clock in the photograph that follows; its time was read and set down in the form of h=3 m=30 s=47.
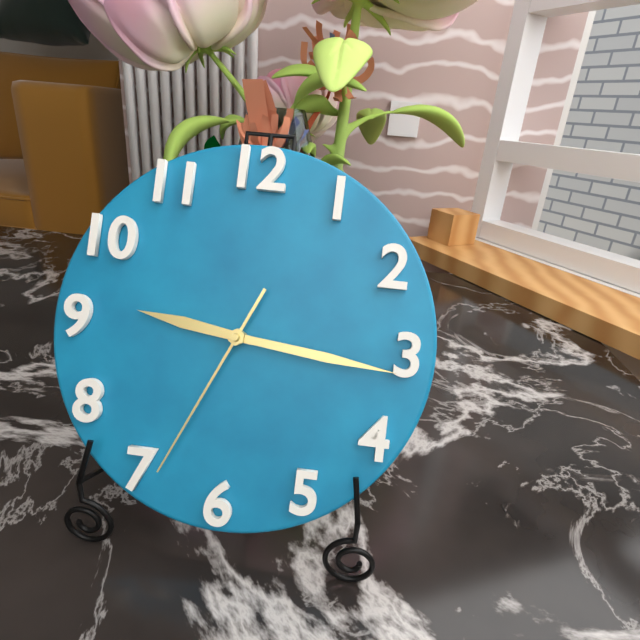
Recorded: h=9 m=16 s=34
